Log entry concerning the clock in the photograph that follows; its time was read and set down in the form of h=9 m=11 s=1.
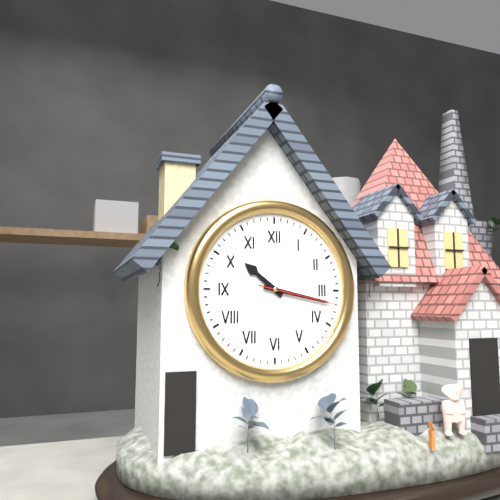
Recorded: h=10 m=17 s=17
